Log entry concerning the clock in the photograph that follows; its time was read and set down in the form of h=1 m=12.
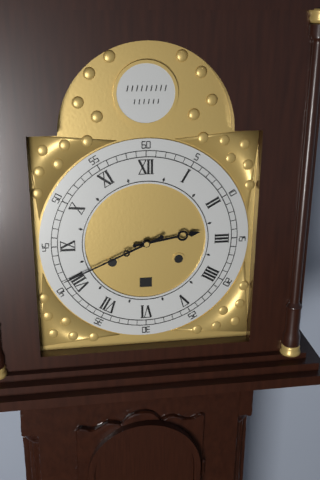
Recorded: h=2 m=41
